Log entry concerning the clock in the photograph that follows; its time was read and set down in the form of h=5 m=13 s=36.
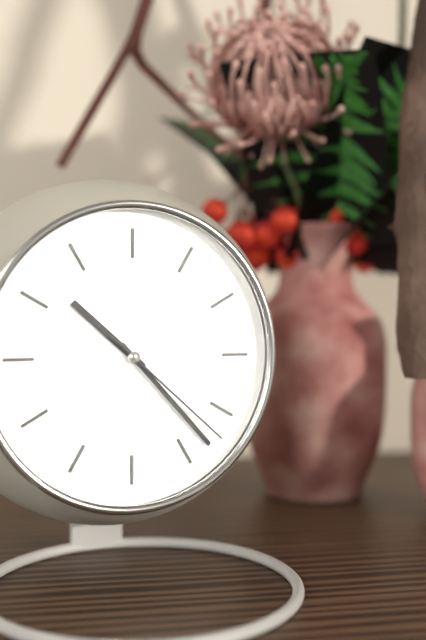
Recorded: h=10 m=23 s=22
